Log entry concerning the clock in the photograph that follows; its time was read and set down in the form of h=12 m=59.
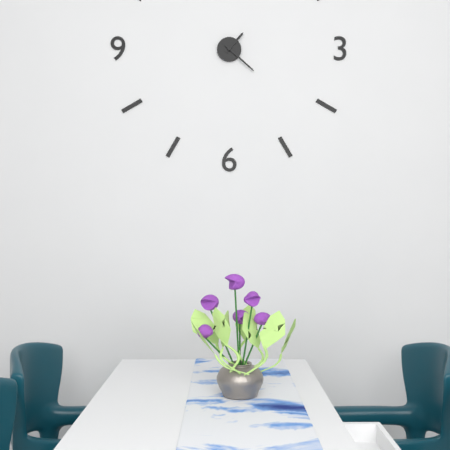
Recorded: h=1 m=22
